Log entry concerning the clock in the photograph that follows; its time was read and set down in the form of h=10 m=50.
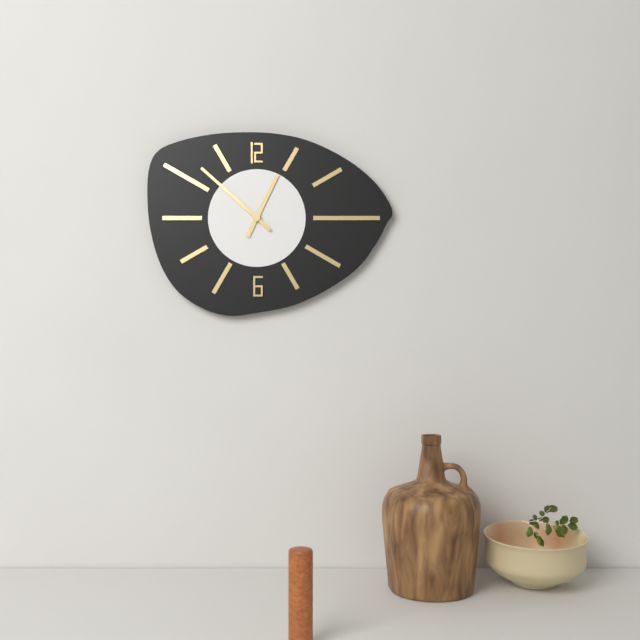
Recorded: h=12 m=52
